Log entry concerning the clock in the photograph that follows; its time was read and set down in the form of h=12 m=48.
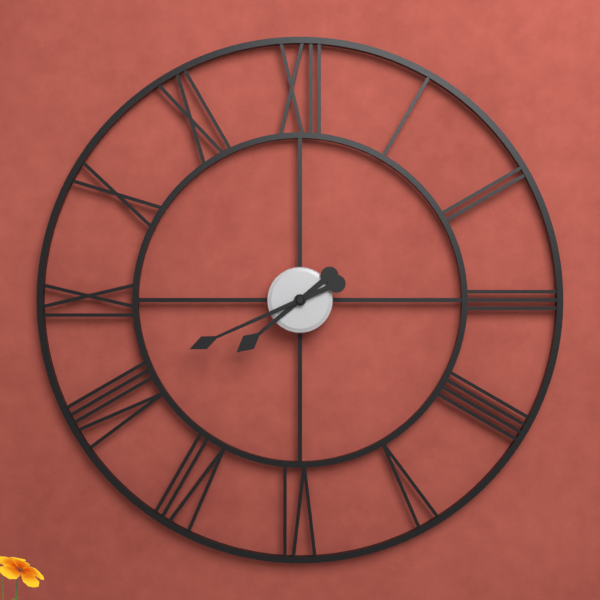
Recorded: h=7 m=41
